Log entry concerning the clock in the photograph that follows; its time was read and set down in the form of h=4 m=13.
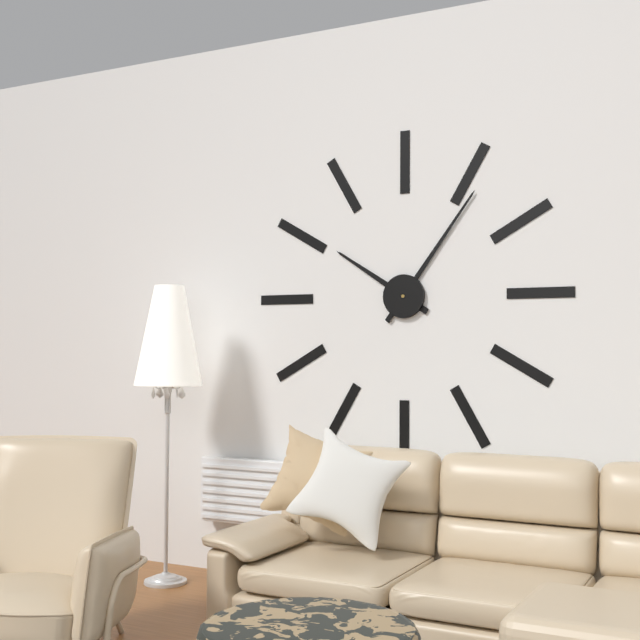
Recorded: h=10 m=6
